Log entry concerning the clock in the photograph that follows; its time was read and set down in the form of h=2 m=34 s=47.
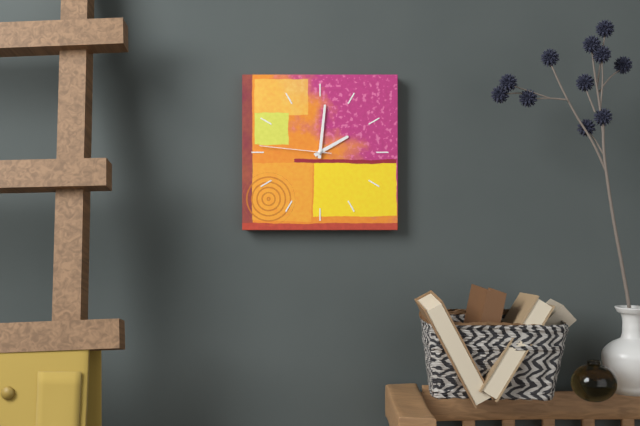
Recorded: h=2 m=1 s=46
